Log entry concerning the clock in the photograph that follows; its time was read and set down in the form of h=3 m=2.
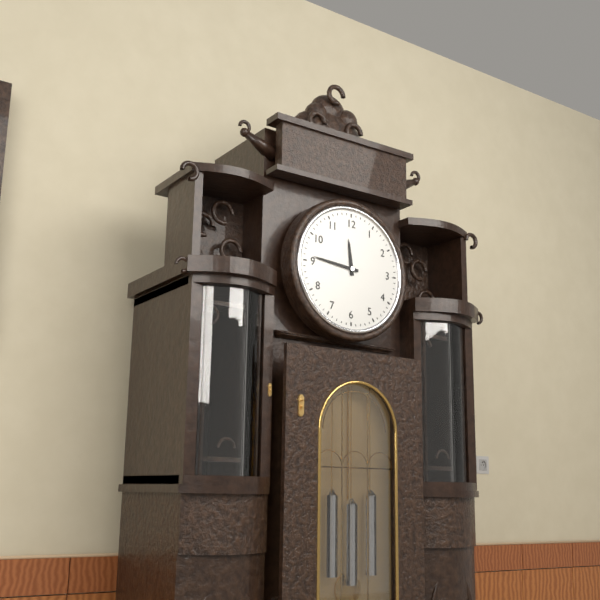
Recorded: h=11 m=46
